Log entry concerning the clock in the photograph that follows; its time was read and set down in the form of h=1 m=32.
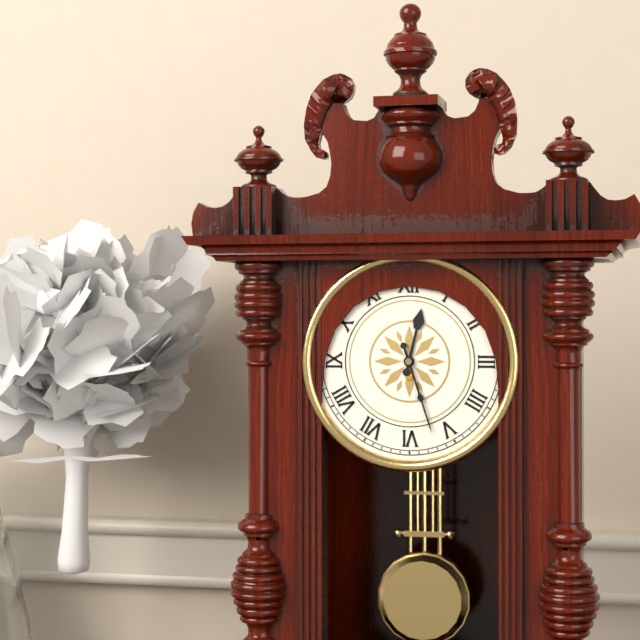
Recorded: h=12 m=27
